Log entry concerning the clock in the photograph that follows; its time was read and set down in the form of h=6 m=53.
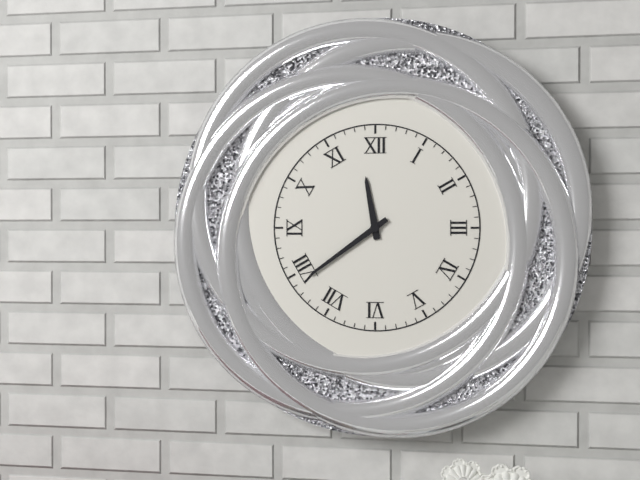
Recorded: h=11 m=39
